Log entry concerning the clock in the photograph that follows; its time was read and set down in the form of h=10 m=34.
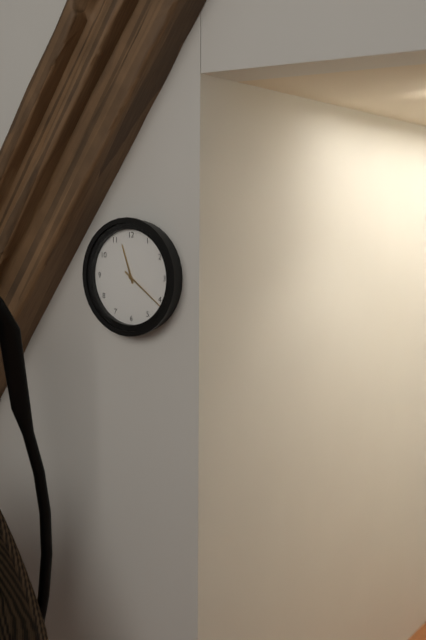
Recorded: h=11 m=21
